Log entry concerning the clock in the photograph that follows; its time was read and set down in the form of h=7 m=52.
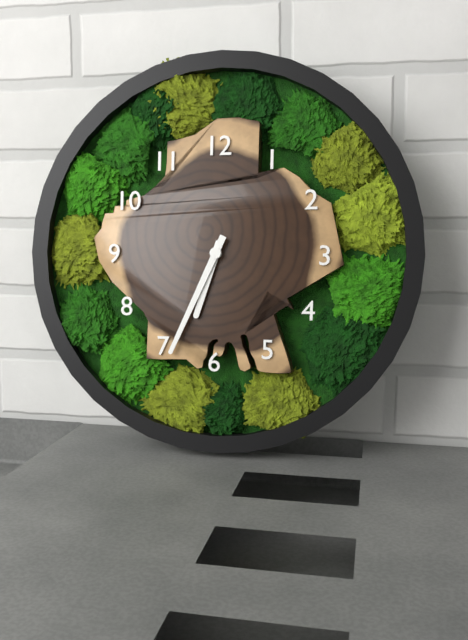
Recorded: h=6 m=34
